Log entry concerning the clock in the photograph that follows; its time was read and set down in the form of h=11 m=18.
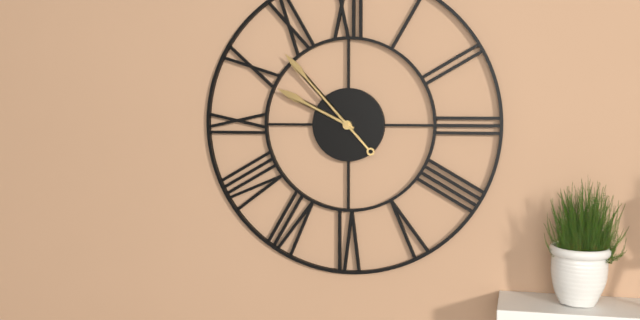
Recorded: h=9 m=53
